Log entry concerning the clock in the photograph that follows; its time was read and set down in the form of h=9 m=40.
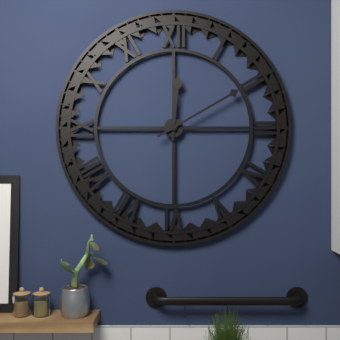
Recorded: h=12 m=10
